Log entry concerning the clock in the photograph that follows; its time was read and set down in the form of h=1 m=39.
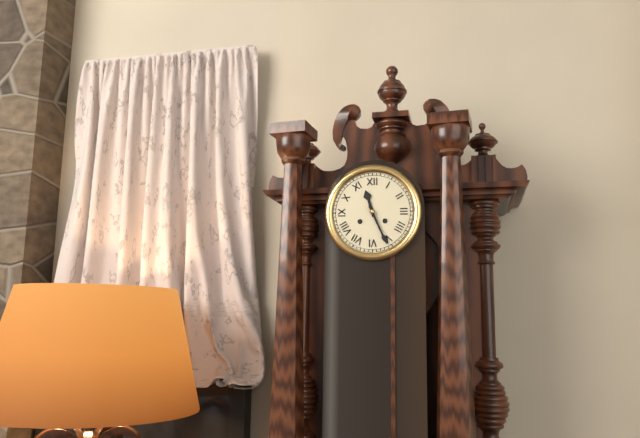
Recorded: h=11 m=26
